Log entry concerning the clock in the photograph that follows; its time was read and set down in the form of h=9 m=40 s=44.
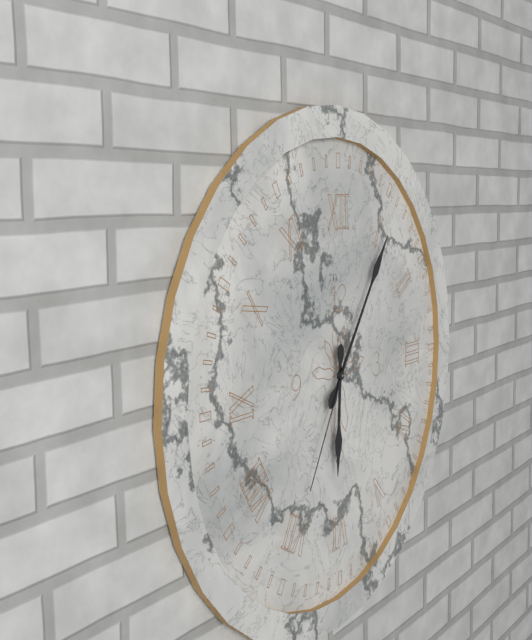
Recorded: h=6 m=6 s=35
